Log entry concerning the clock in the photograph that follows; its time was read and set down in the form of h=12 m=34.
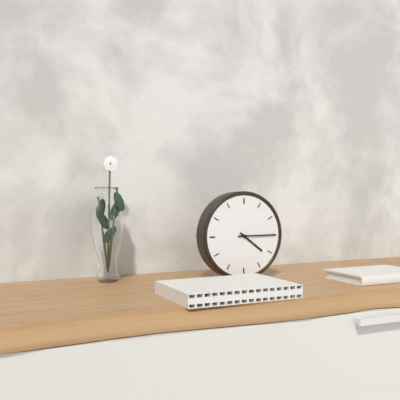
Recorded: h=4 m=15
